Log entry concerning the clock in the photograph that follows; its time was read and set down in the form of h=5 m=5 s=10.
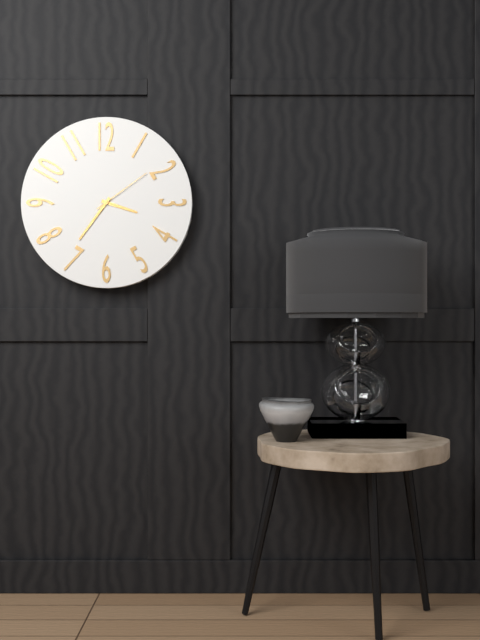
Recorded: h=3 m=36 s=9
